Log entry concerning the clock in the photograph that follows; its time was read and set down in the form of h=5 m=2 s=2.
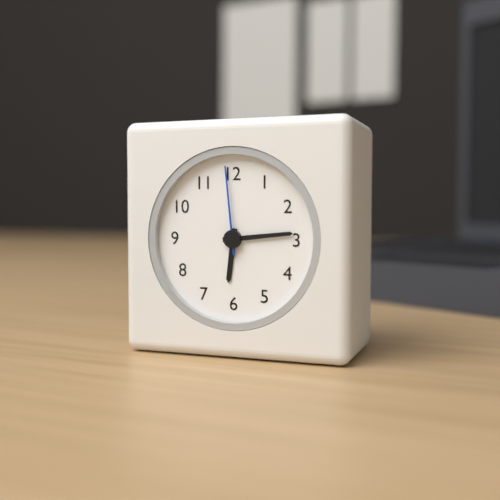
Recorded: h=6 m=14 s=59
